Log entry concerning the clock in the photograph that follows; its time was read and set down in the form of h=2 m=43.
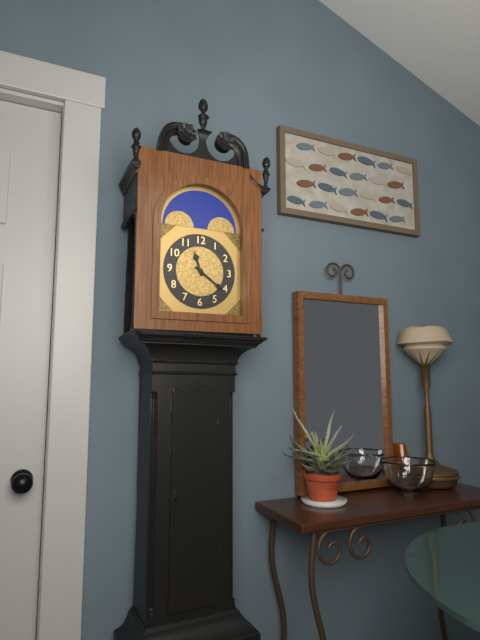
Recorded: h=11 m=21
